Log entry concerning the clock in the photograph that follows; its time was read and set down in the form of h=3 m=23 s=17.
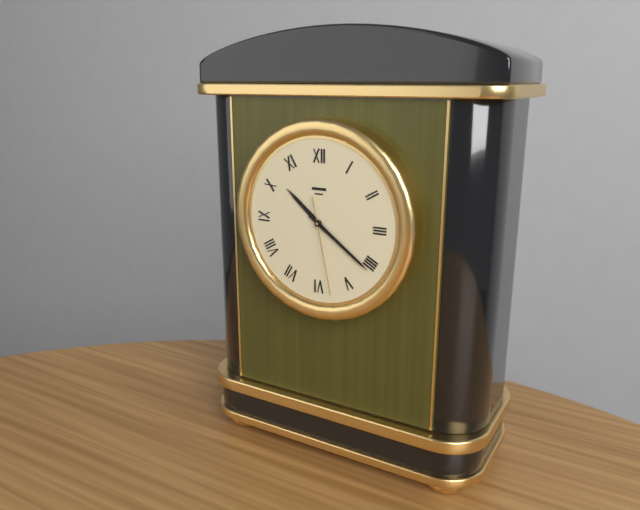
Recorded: h=10 m=21 s=28
